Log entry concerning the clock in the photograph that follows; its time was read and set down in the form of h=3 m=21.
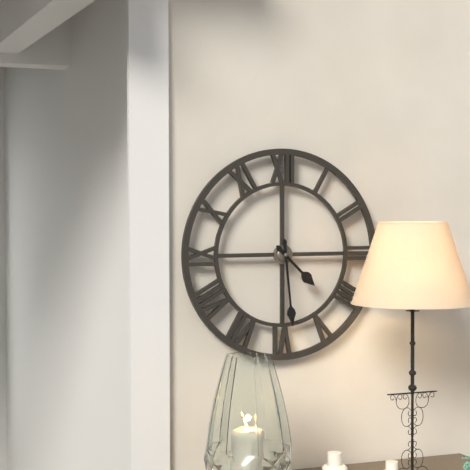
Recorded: h=4 m=29
